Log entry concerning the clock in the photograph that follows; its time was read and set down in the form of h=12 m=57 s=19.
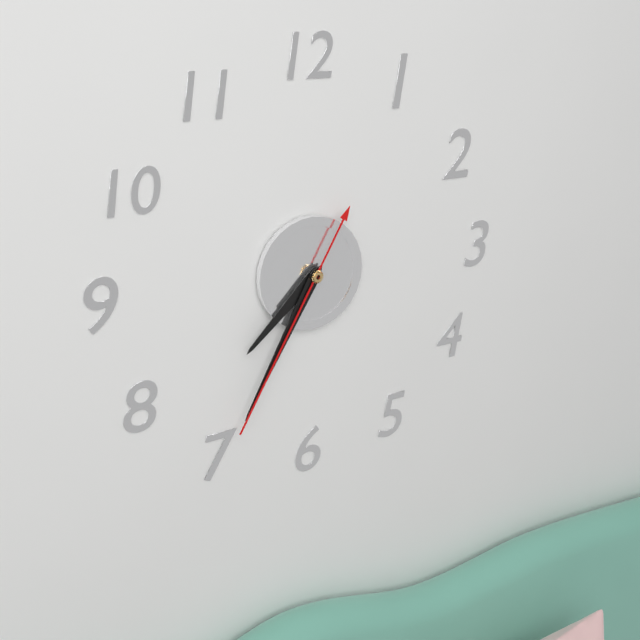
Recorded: h=7 m=35 s=35
